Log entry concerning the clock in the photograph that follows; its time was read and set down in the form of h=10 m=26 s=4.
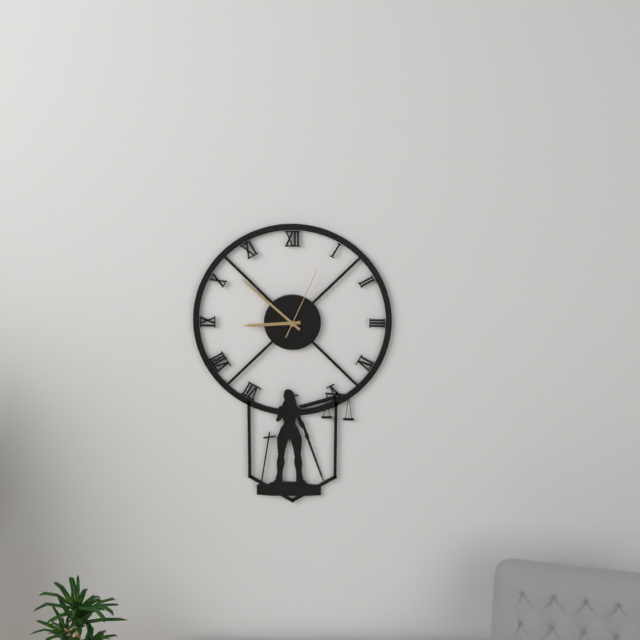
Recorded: h=8 m=52 s=4
